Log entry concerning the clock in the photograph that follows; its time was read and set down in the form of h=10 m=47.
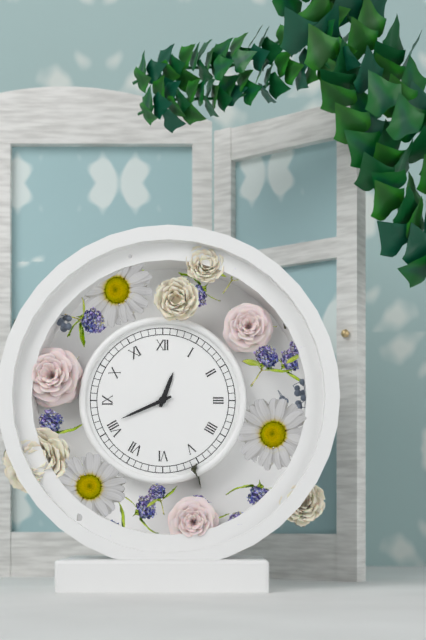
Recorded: h=12 m=41
